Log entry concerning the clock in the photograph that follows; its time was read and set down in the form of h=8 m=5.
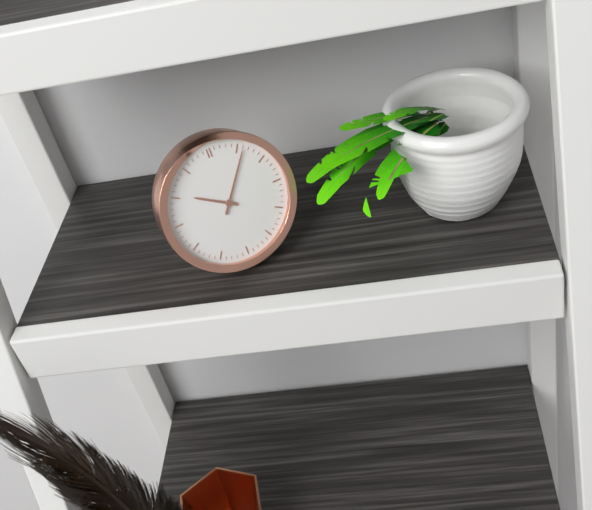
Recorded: h=10 m=6
